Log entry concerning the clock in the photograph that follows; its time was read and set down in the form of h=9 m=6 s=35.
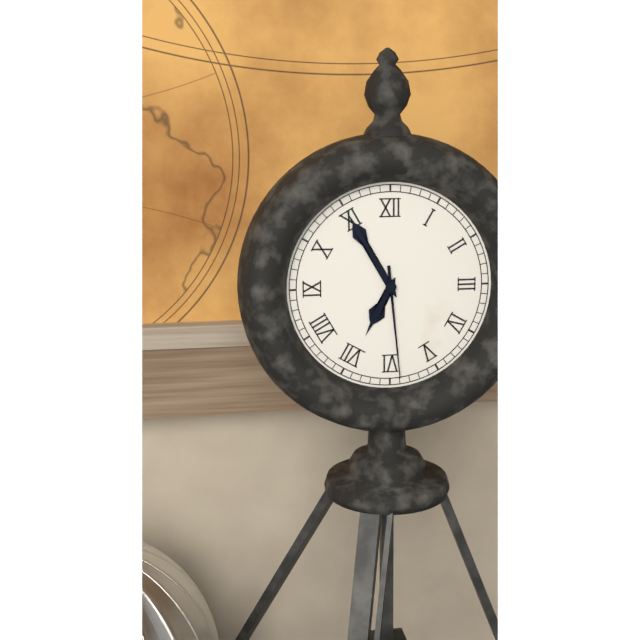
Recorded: h=6 m=55 s=29
